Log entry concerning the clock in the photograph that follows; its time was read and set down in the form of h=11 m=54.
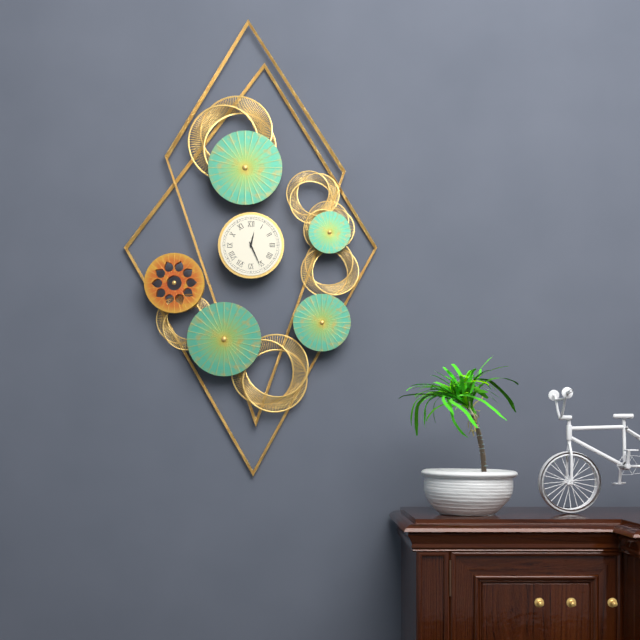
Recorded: h=12 m=26
